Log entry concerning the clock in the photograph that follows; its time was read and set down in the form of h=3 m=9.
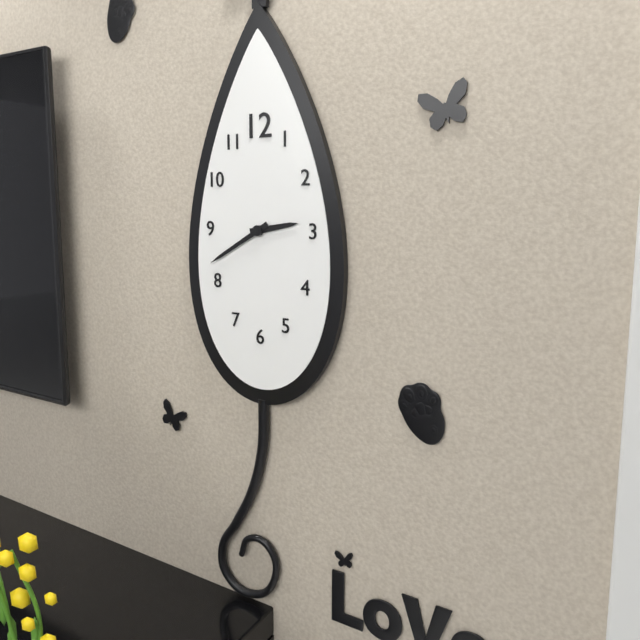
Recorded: h=2 m=40
